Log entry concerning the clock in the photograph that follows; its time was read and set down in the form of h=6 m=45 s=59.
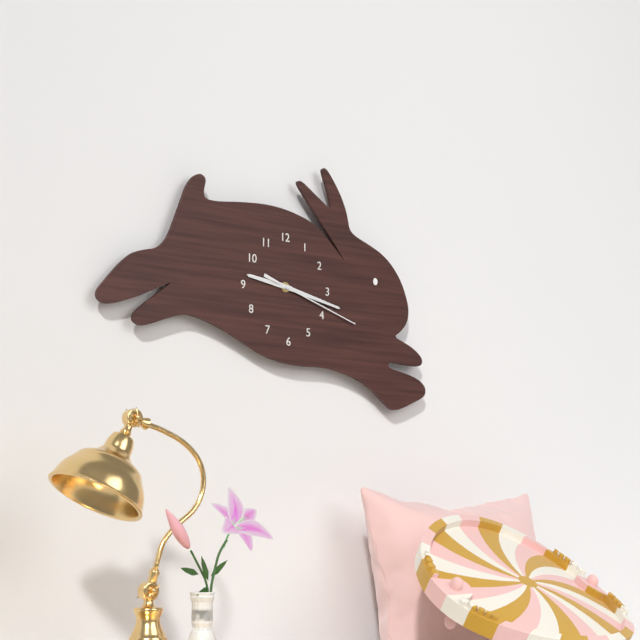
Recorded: h=9 m=17 s=18
